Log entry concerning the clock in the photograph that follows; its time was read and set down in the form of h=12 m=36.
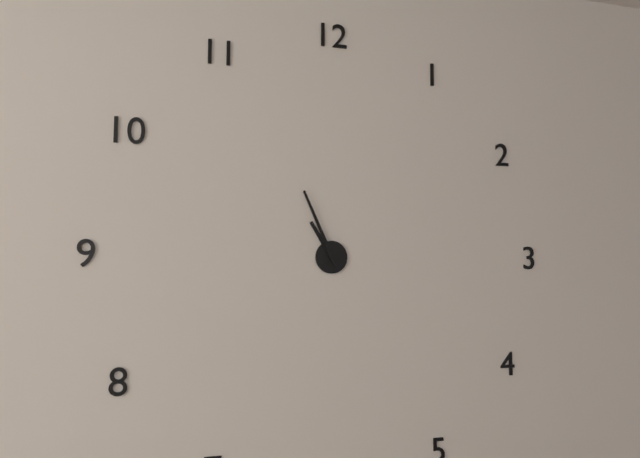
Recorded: h=10 m=56
